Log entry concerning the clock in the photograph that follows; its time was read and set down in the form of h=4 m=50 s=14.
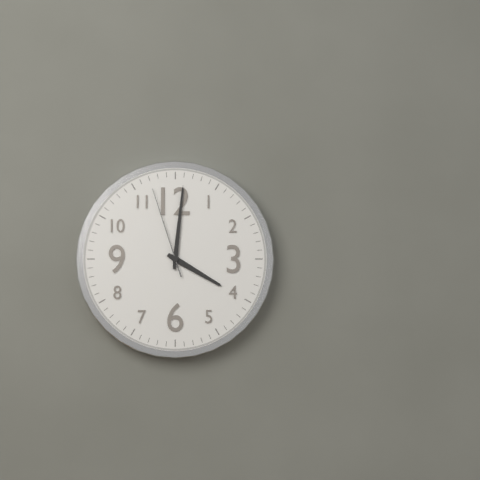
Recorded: h=4 m=1 s=57
